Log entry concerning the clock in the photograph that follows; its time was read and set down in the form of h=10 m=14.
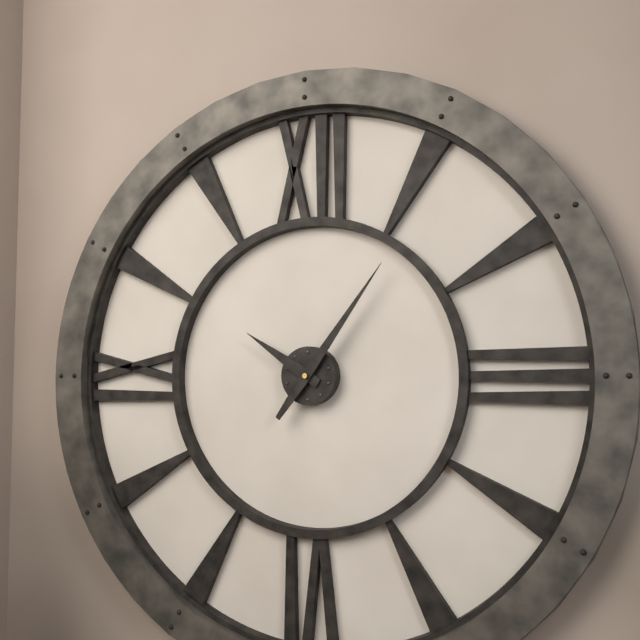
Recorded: h=10 m=6
